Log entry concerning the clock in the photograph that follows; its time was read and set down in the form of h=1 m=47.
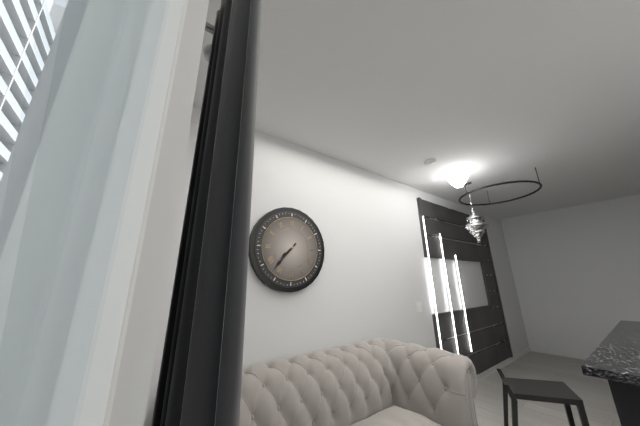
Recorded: h=7 m=37
